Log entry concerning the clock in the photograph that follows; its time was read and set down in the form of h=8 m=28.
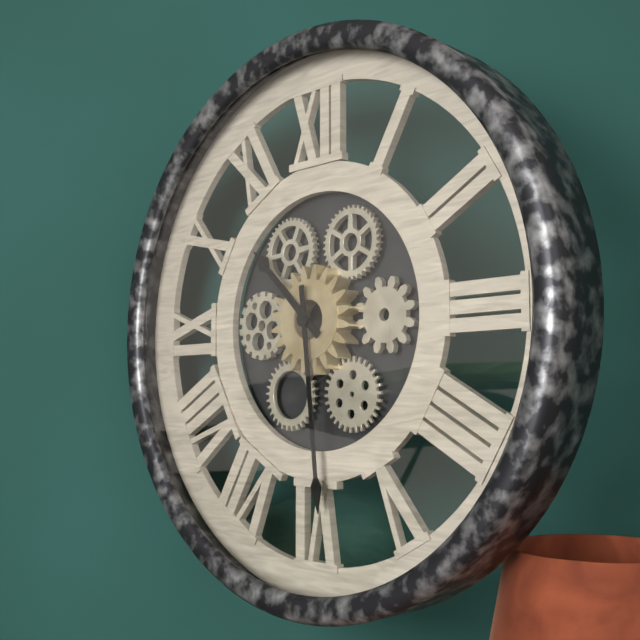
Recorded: h=10 m=29
